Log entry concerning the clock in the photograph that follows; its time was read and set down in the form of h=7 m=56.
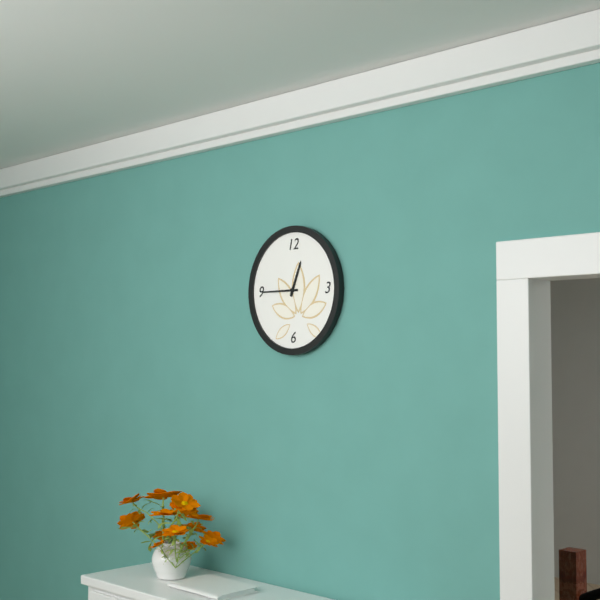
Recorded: h=12 m=45
